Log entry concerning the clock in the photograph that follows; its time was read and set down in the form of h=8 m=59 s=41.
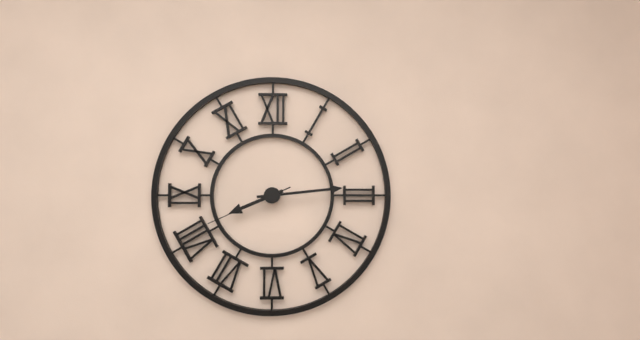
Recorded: h=8 m=14 s=41
